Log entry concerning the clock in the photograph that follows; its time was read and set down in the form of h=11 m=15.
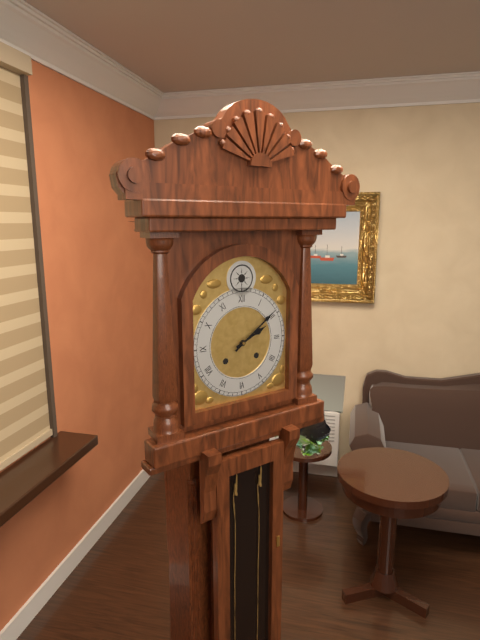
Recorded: h=2 m=9
